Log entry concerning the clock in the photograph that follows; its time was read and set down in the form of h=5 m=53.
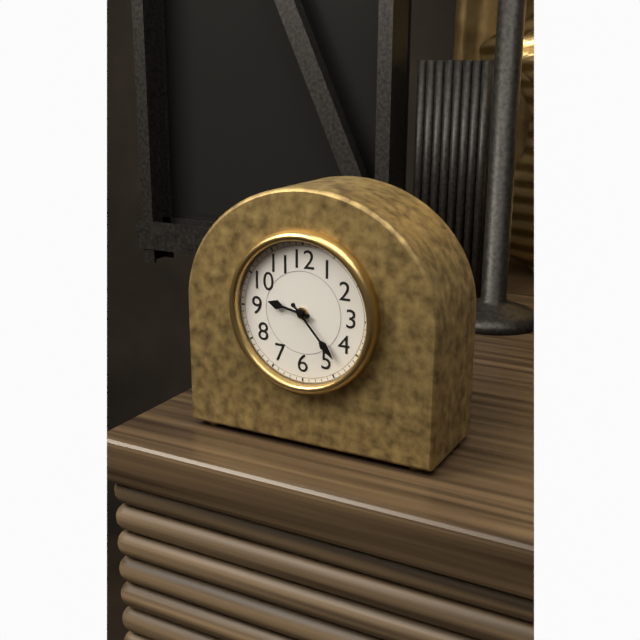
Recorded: h=9 m=23
